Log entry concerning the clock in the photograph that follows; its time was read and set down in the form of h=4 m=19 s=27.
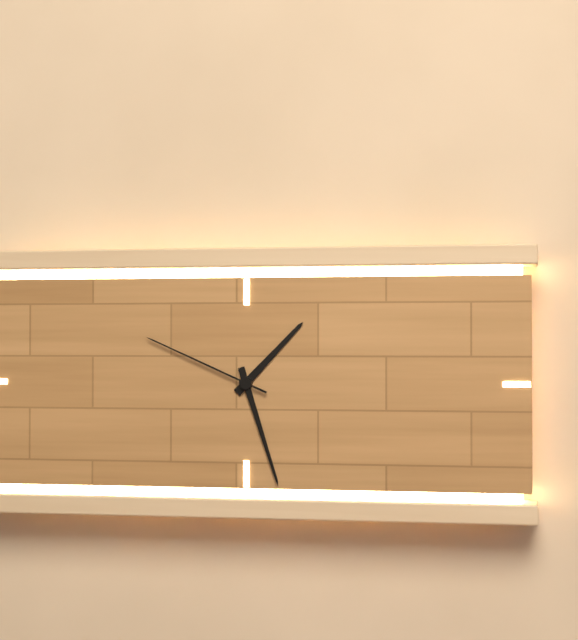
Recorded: h=1 m=27 s=49
